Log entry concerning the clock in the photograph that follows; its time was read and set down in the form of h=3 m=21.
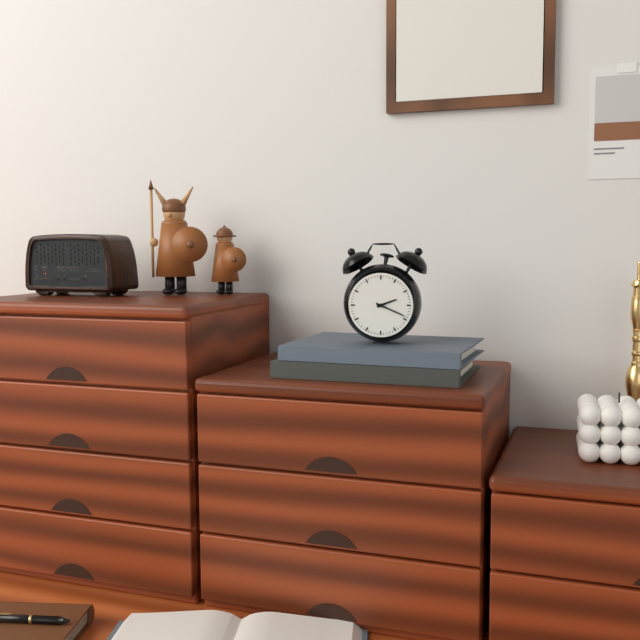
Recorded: h=2 m=19
